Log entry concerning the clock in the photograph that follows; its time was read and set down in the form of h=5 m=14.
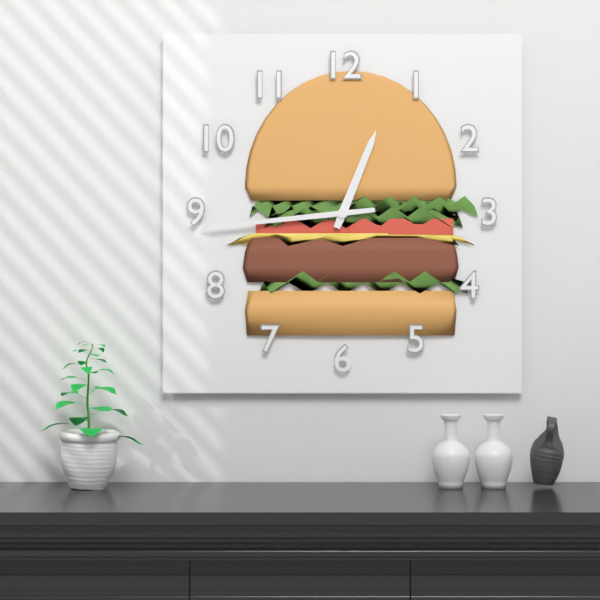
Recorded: h=12 m=44
